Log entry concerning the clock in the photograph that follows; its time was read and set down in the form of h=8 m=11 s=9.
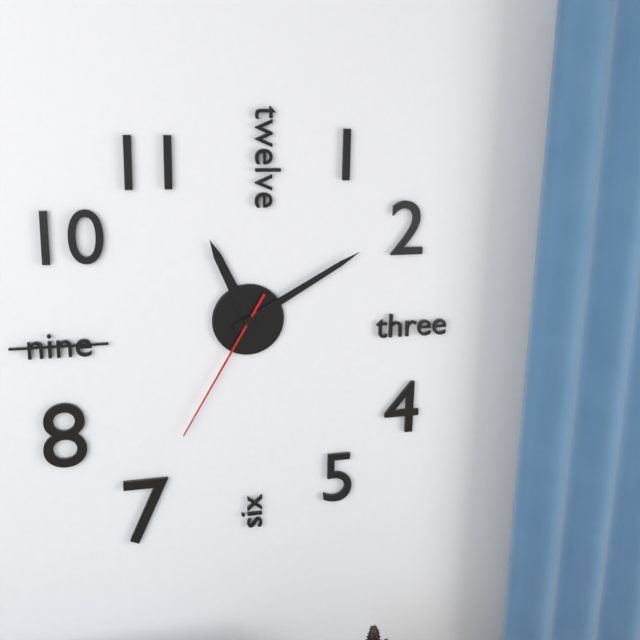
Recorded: h=11 m=10 s=35
